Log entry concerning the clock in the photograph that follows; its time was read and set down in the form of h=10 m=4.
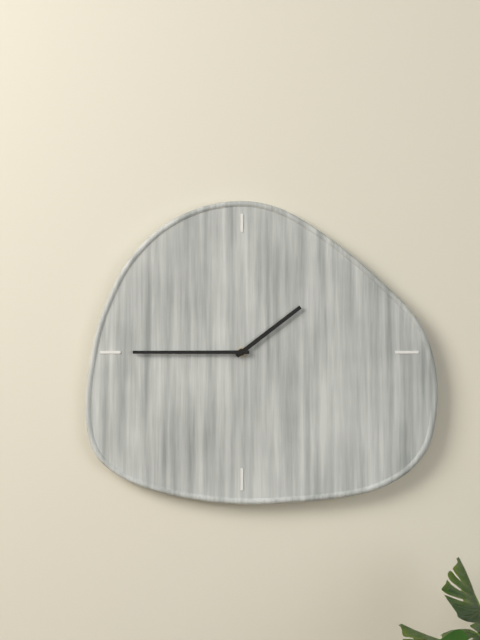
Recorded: h=1 m=45
